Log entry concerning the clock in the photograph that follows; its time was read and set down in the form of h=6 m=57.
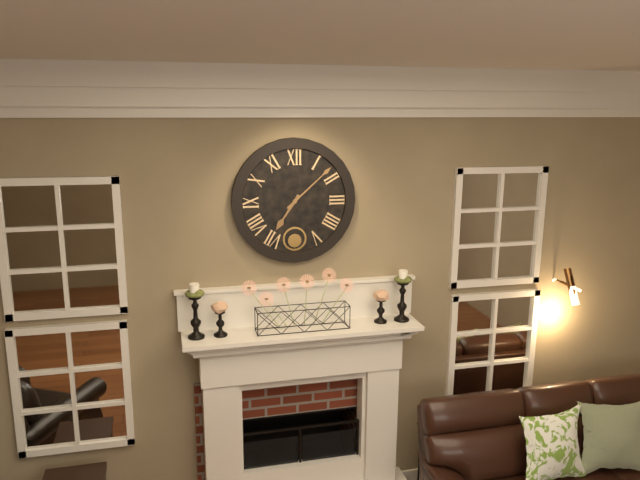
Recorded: h=7 m=8
